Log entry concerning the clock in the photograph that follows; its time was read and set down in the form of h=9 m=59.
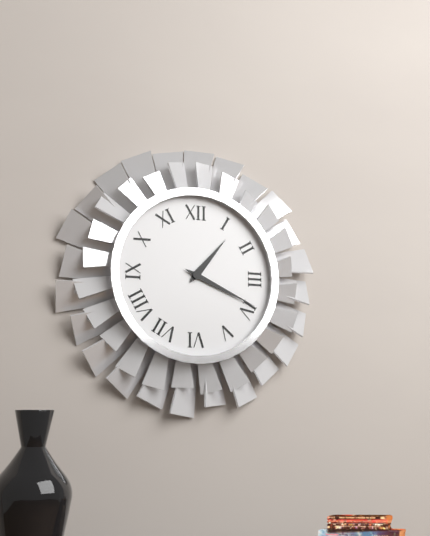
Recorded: h=1 m=19
